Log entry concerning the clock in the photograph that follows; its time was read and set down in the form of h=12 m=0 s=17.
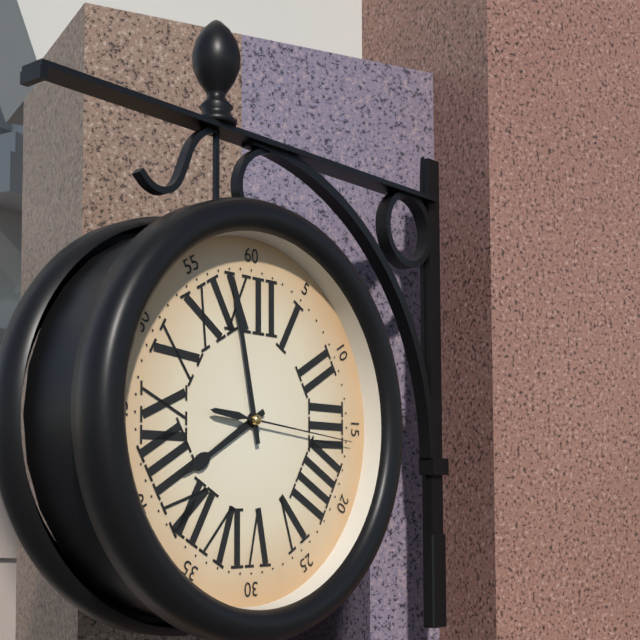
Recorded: h=7 m=58 s=16
